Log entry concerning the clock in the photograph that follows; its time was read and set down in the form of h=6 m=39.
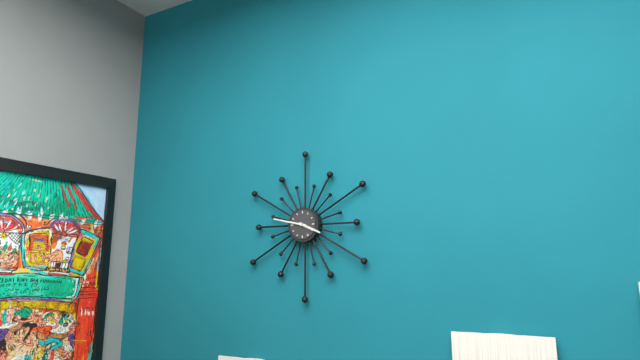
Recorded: h=3 m=47
